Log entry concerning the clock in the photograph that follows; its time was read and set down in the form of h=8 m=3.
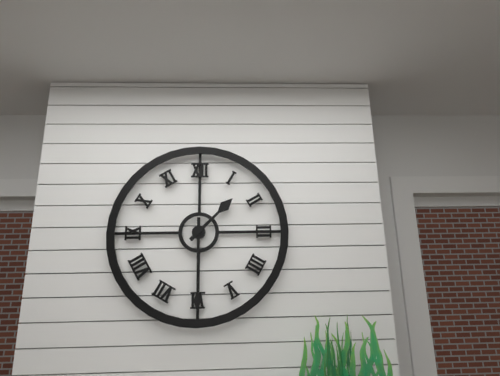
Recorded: h=1 m=30
